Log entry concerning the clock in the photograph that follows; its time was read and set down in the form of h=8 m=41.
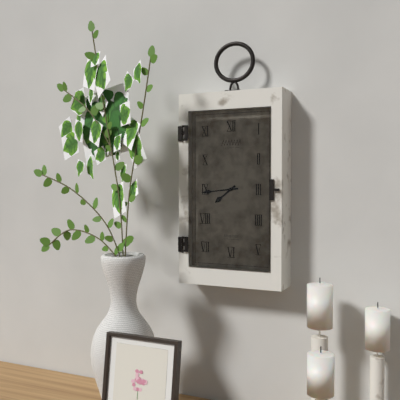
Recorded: h=7 m=44
